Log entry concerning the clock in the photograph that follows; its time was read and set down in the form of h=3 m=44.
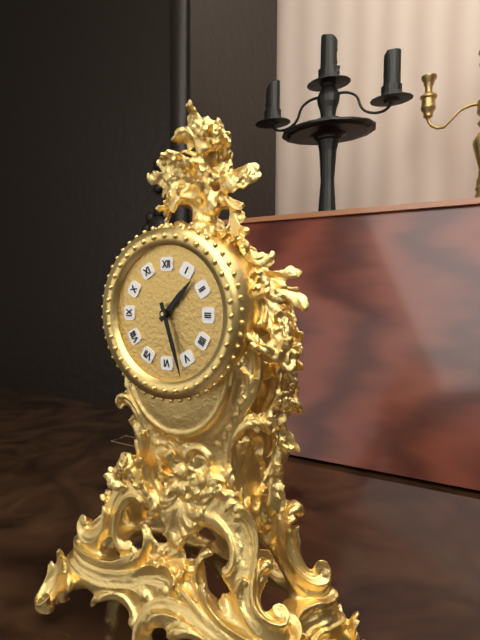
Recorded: h=1 m=27
